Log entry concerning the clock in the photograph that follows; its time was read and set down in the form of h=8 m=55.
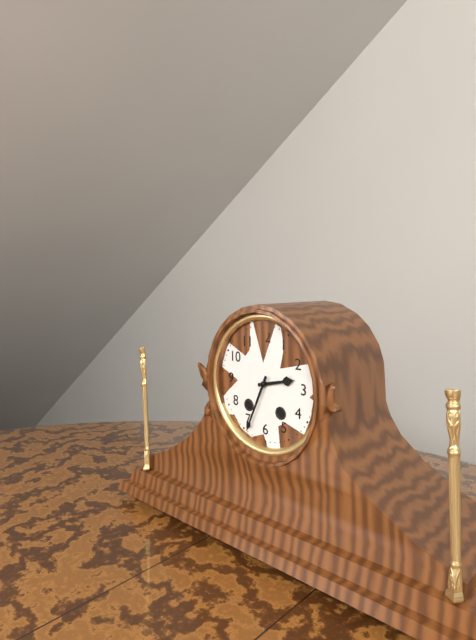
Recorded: h=2 m=34
